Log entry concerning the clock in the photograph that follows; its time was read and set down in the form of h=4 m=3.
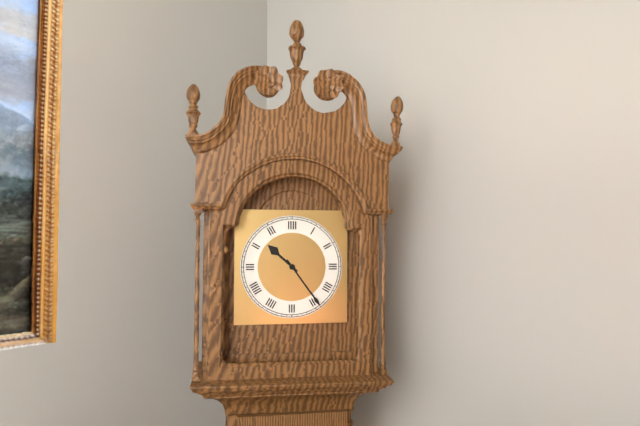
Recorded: h=10 m=24
